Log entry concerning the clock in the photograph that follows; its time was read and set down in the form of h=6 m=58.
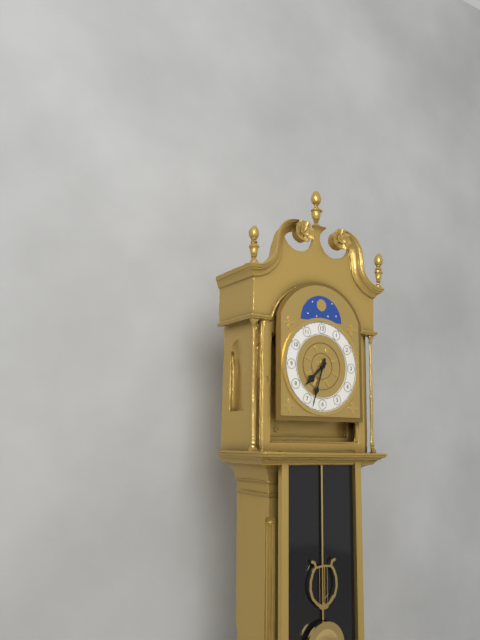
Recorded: h=7 m=33
